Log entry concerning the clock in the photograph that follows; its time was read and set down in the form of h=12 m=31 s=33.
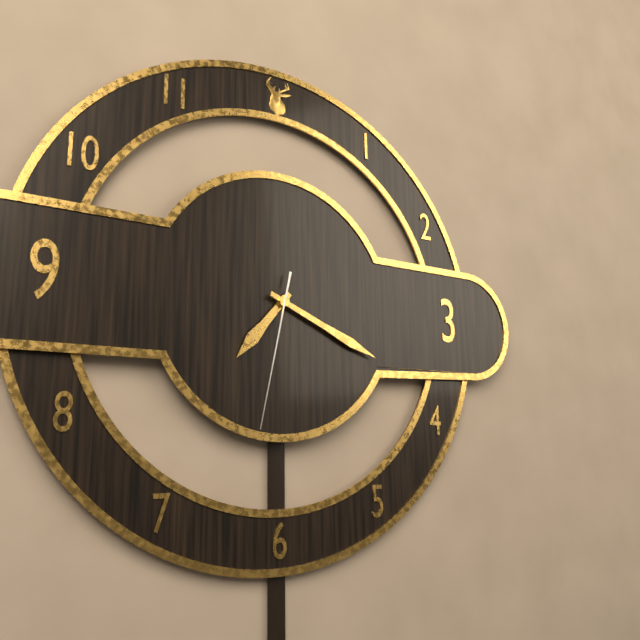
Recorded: h=7 m=19 s=32
